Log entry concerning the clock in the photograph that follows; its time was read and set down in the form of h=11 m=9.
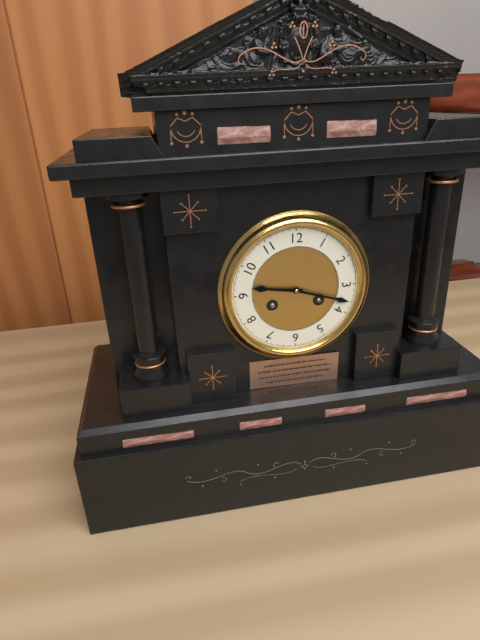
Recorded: h=9 m=18
